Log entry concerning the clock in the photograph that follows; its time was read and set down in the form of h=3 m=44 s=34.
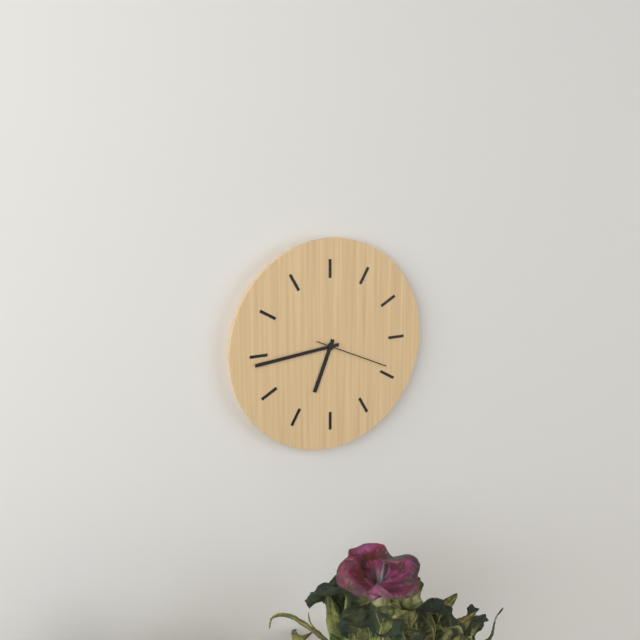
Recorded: h=6 m=44 s=19
